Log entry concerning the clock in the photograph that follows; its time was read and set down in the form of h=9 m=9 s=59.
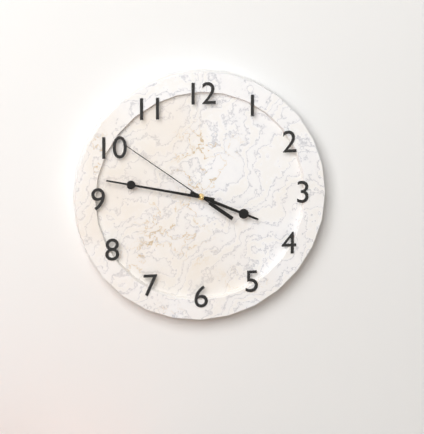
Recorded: h=3 m=47 s=51
